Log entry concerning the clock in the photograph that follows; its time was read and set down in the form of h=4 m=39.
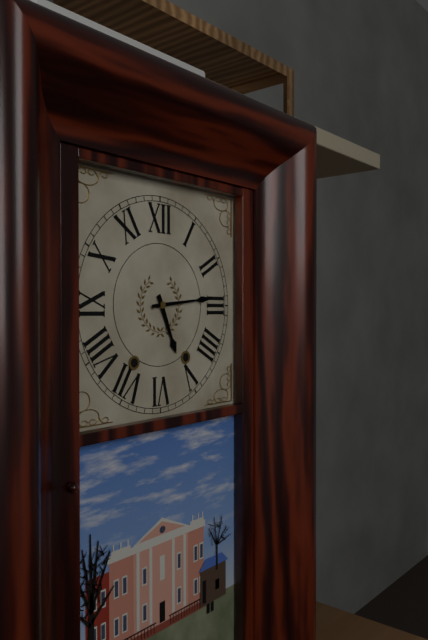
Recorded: h=5 m=14
